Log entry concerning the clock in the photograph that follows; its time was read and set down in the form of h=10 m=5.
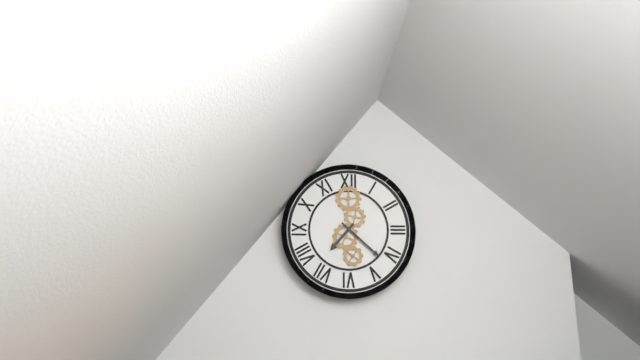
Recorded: h=7 m=22
